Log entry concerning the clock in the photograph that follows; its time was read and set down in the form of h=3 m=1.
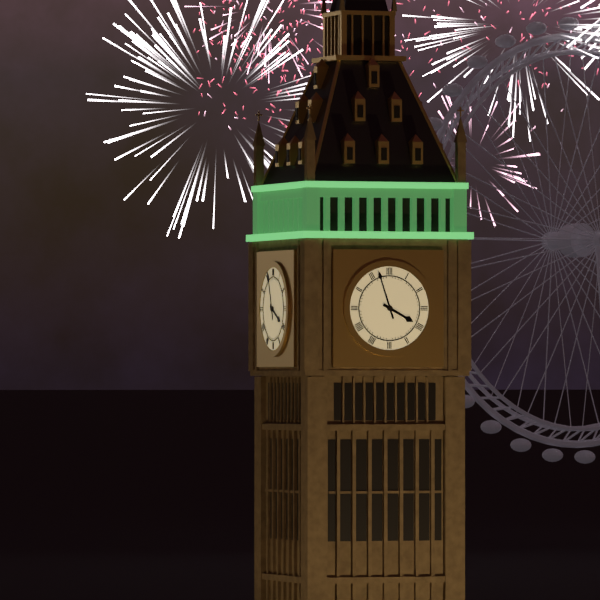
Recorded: h=3 m=57
